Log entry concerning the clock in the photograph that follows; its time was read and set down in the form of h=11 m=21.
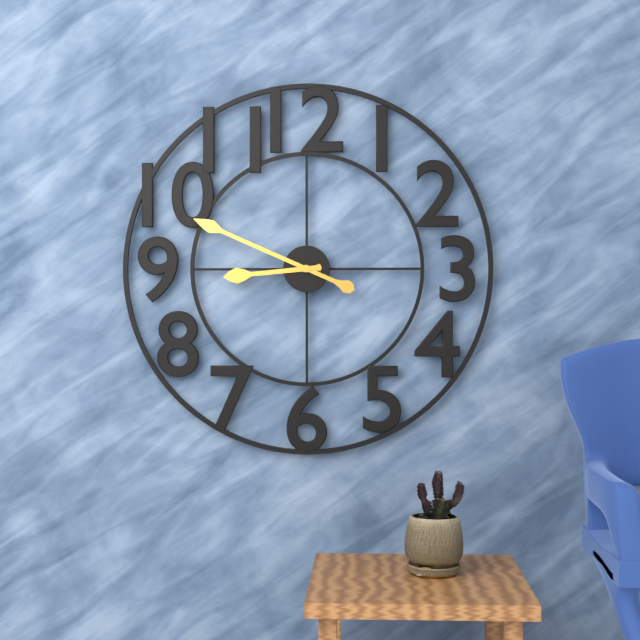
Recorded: h=8 m=49
